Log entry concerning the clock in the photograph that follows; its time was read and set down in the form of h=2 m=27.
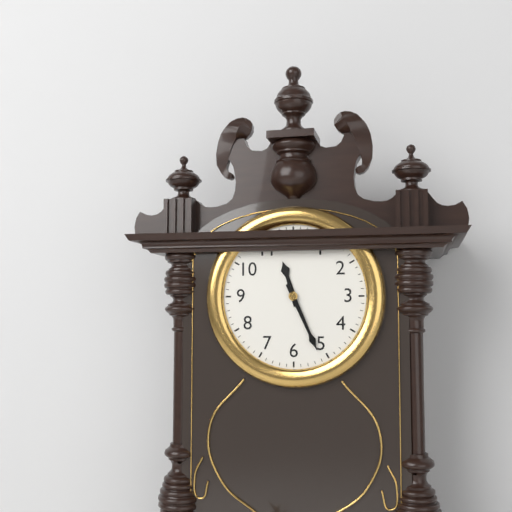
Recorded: h=11 m=26
